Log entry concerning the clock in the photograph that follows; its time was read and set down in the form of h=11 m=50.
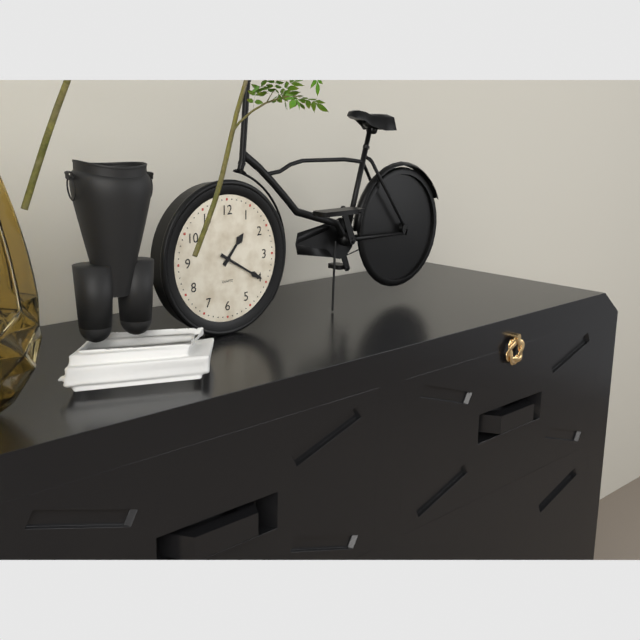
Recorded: h=1 m=20
